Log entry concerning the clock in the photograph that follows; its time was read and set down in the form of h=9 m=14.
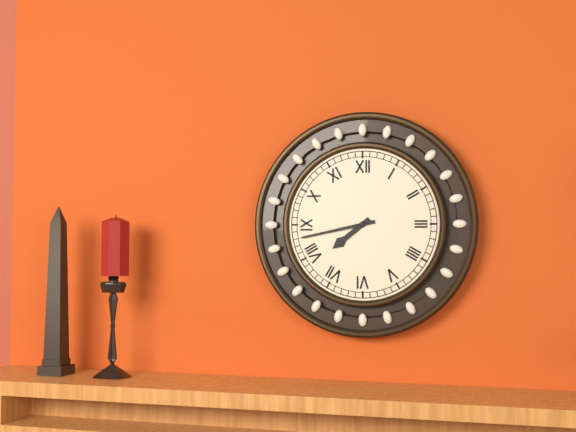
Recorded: h=7 m=43
